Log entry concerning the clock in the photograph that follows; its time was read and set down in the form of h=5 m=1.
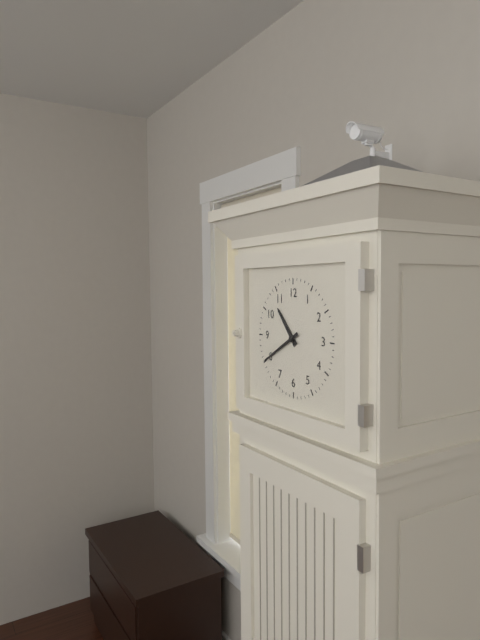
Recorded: h=10 m=40
